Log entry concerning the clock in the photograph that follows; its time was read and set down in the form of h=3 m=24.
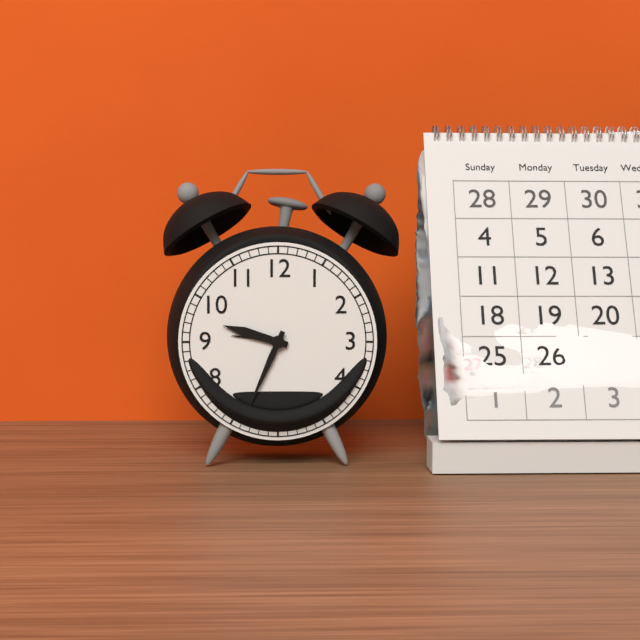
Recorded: h=9 m=34
